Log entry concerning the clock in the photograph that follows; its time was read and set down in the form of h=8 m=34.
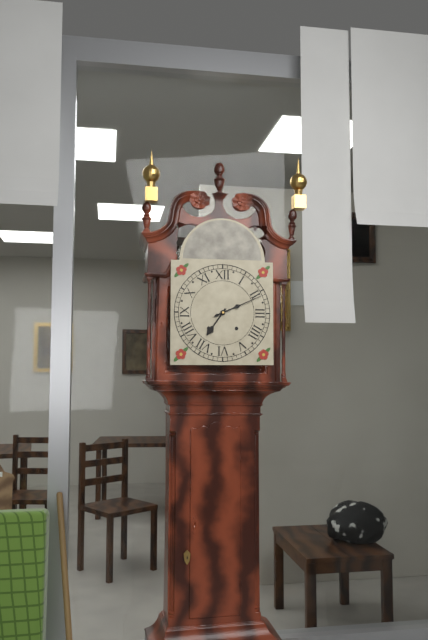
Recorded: h=7 m=11
